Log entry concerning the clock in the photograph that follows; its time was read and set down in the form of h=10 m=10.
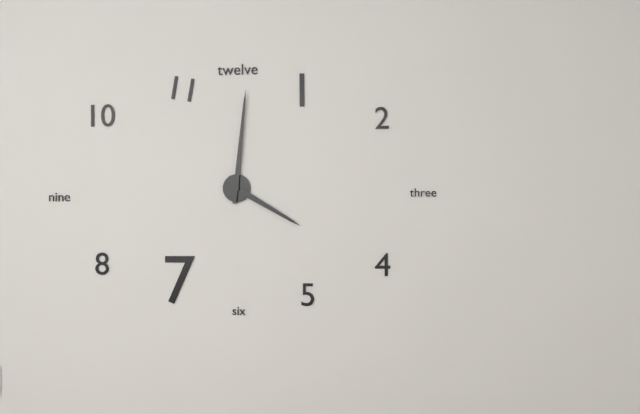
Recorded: h=4 m=1
